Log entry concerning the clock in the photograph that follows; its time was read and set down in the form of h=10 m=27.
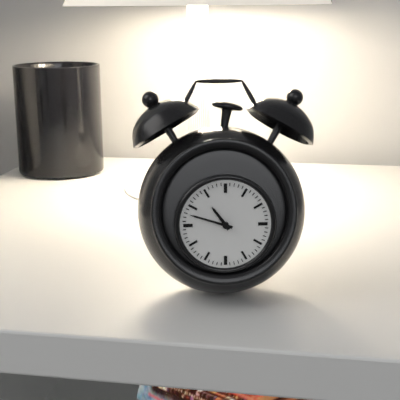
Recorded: h=10 m=48
